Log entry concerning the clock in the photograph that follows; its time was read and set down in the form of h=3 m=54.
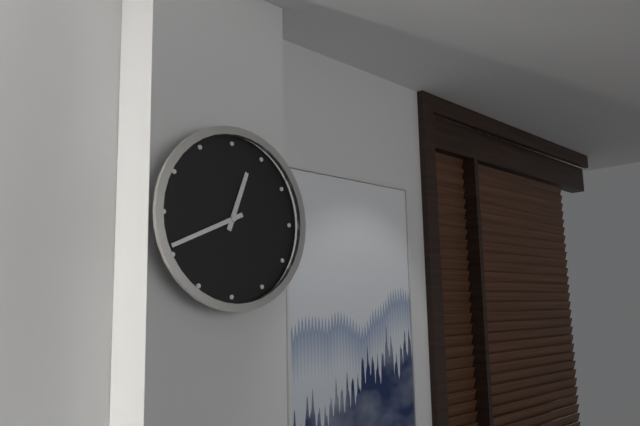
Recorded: h=12 m=41
